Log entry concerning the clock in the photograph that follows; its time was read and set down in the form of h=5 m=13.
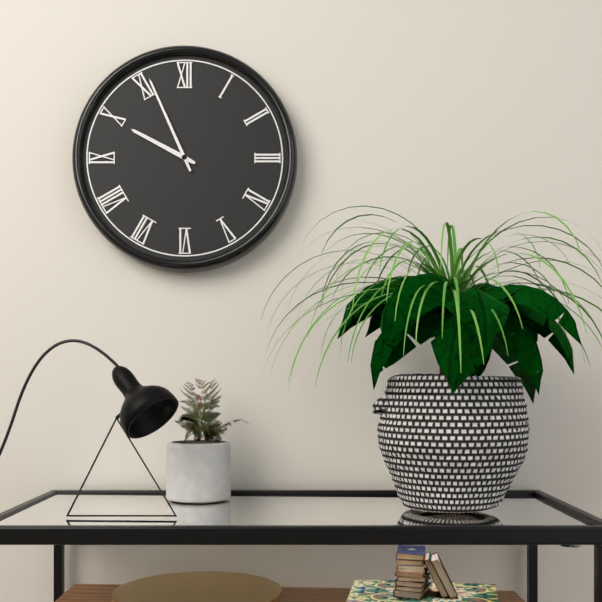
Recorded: h=9 m=56
